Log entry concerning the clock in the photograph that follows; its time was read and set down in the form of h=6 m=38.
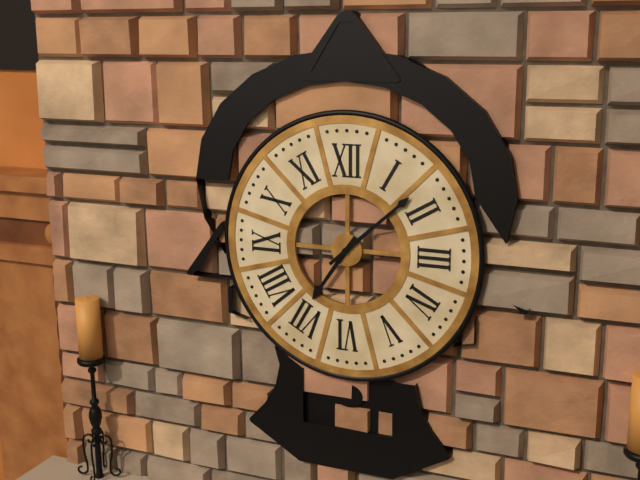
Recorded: h=7 m=8
